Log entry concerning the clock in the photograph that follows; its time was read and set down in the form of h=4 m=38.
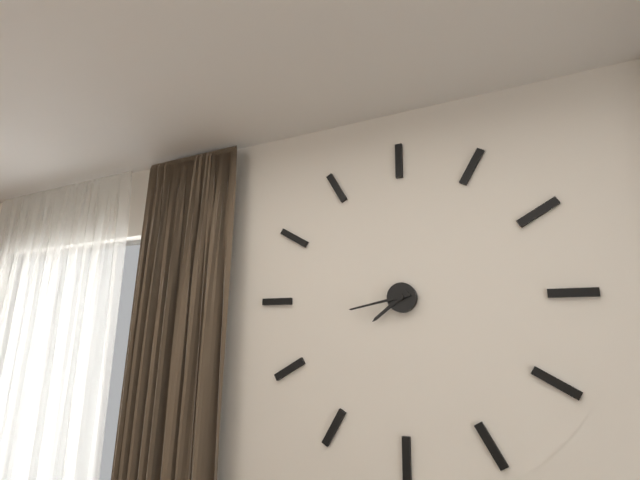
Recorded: h=7 m=43
